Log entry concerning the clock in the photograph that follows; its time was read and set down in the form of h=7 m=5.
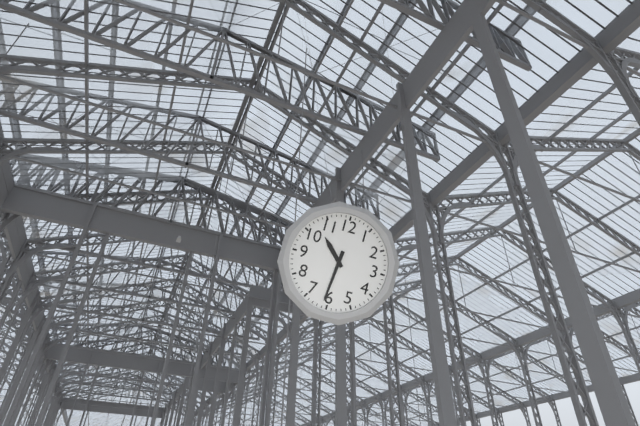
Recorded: h=10 m=31
